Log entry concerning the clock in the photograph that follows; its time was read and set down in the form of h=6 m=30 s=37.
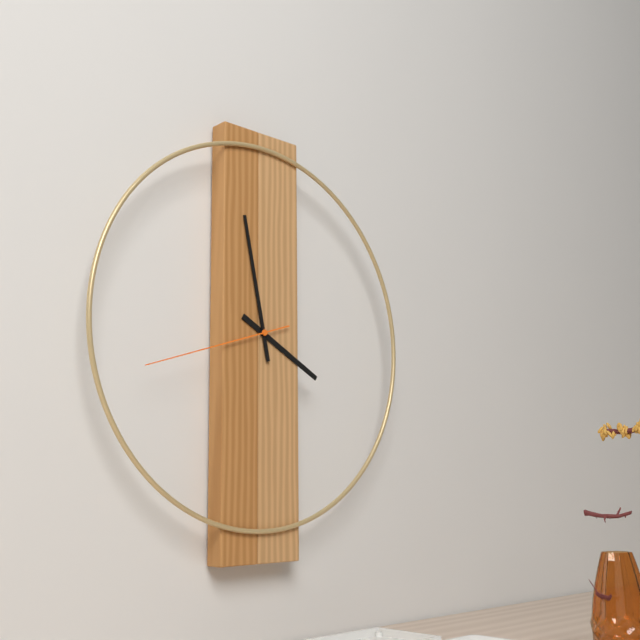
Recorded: h=3 m=58 s=42
